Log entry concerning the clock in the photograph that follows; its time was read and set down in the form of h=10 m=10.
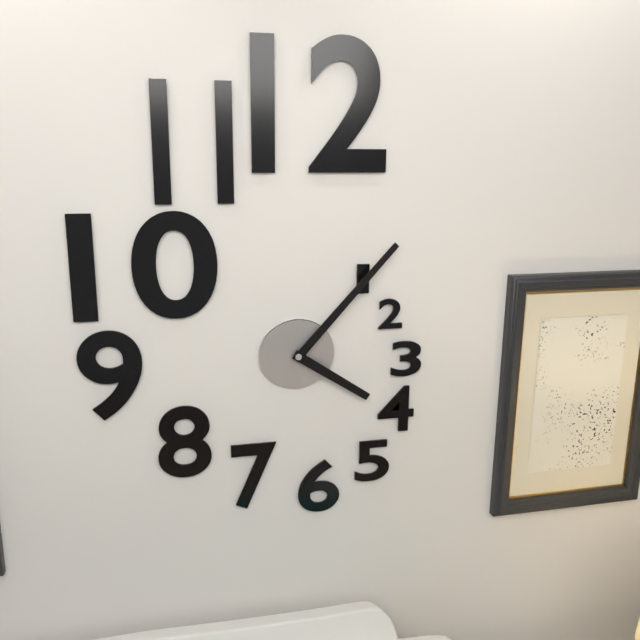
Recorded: h=4 m=7
